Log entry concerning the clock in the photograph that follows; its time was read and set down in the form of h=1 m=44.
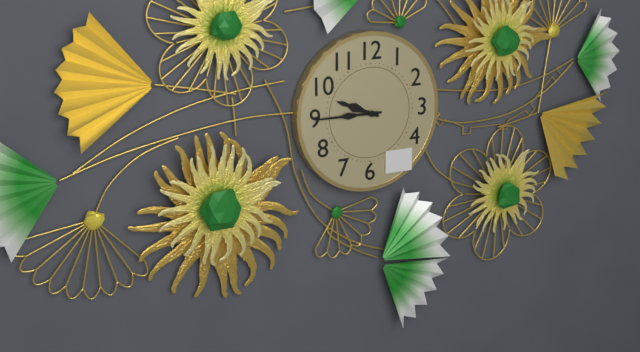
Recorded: h=9 m=45
